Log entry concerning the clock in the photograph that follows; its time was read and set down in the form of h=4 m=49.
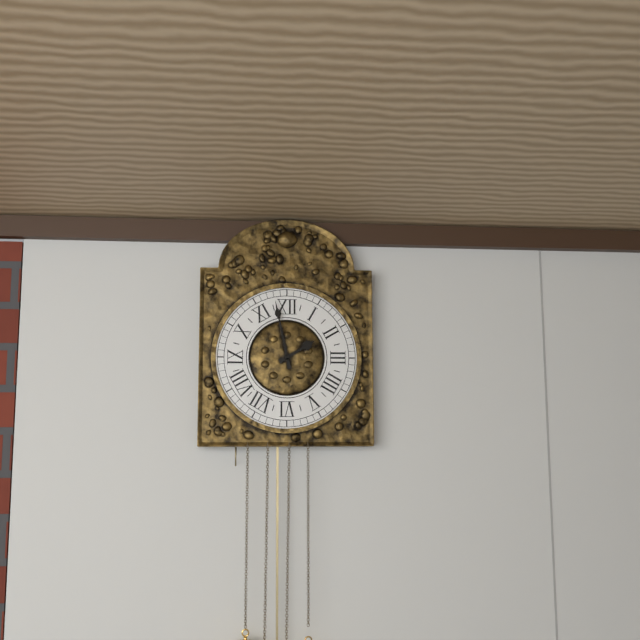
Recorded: h=1 m=58
